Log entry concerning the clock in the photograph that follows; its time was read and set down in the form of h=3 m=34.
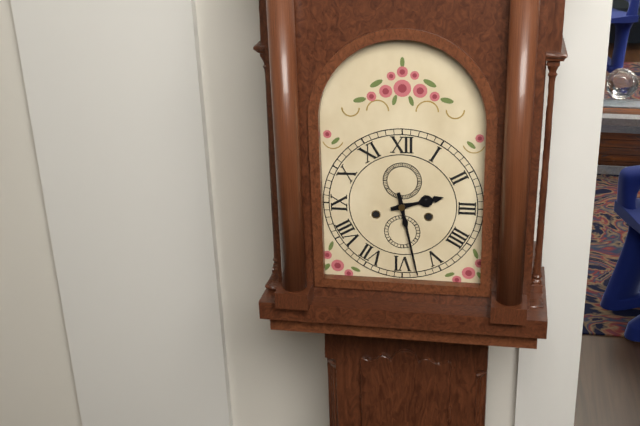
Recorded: h=2 m=28
